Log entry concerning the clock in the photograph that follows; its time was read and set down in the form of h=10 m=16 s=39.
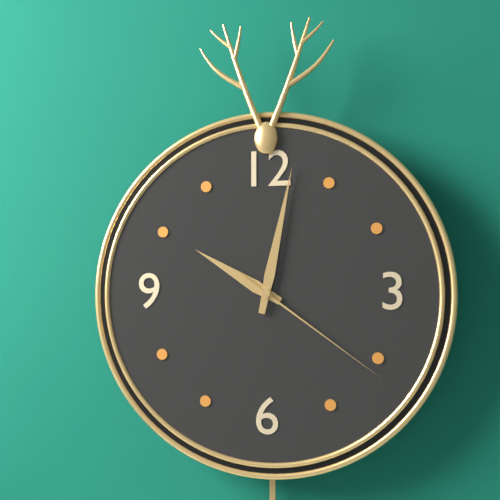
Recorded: h=10 m=2 s=21
